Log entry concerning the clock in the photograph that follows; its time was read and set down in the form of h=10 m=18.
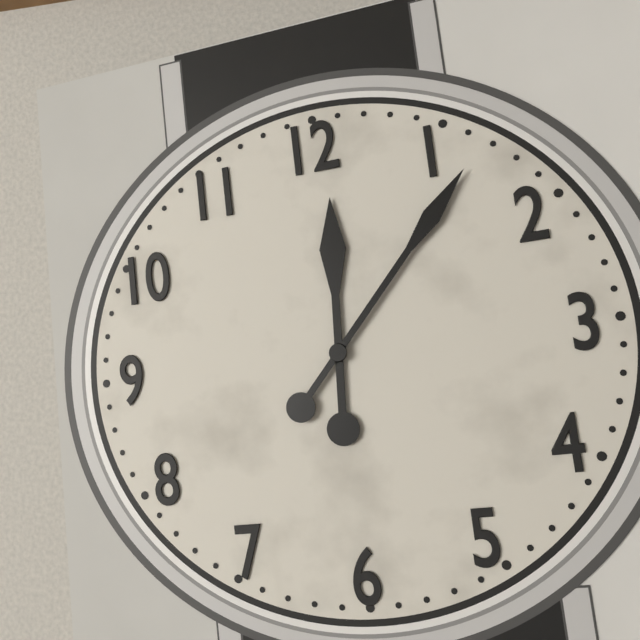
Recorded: h=12 m=7
